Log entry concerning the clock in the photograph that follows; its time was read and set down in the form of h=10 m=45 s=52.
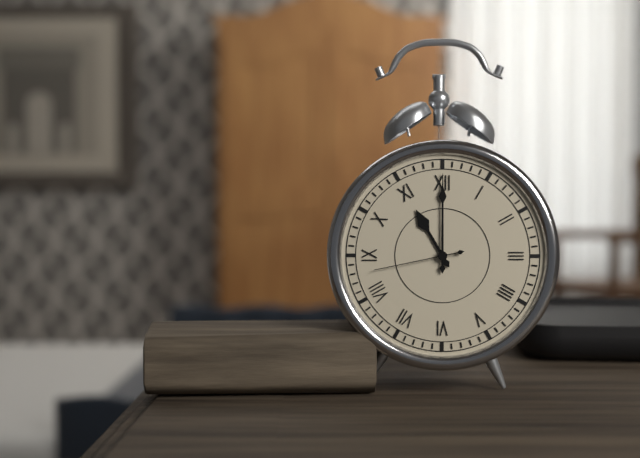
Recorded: h=11 m=0 s=43
